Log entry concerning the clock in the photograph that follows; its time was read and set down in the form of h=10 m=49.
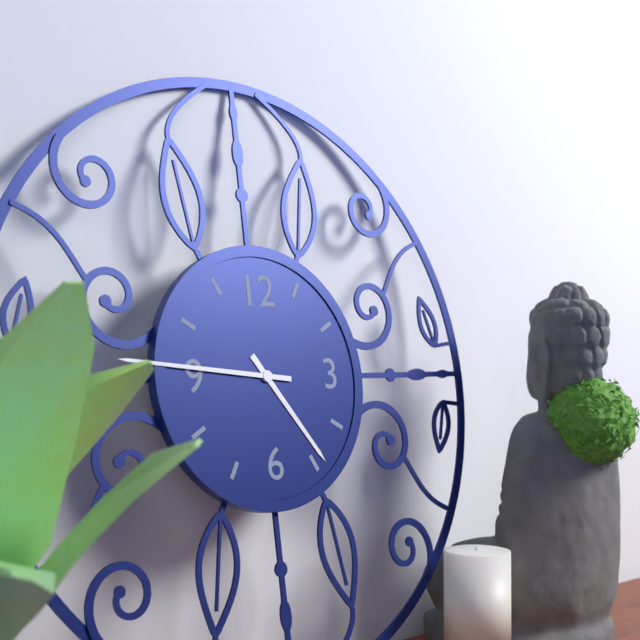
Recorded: h=4 m=46
